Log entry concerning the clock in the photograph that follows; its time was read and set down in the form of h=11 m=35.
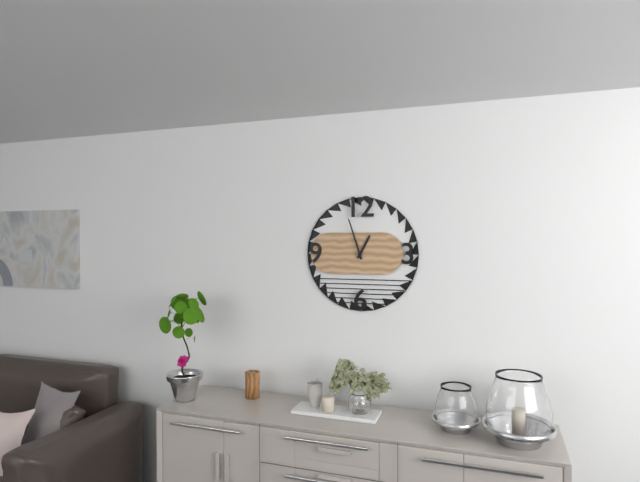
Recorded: h=12 m=57
